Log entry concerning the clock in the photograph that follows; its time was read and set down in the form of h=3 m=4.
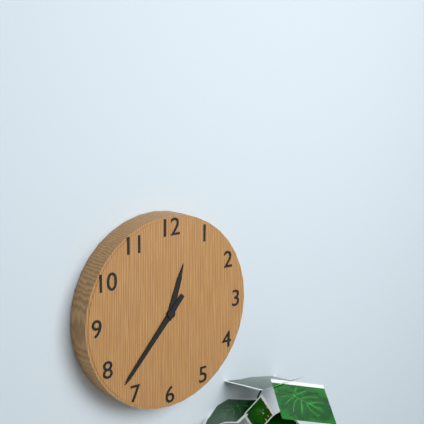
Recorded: h=12 m=37
